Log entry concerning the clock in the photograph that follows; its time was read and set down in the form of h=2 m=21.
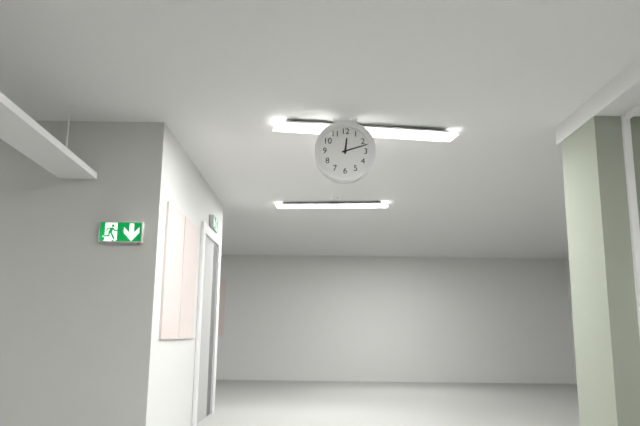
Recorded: h=12 m=12
